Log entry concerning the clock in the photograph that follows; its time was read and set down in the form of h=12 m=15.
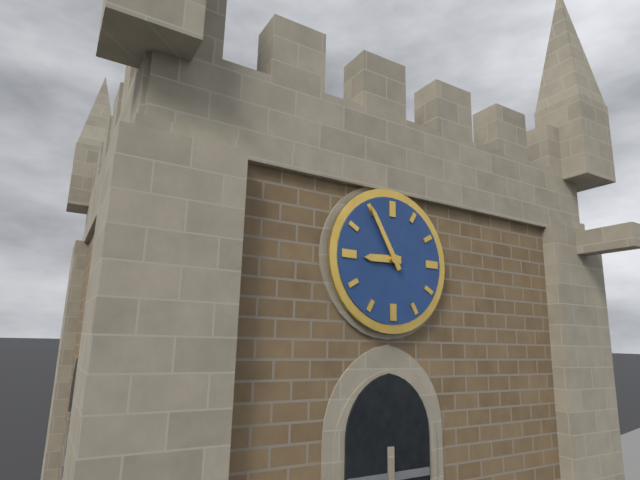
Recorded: h=8 m=55
